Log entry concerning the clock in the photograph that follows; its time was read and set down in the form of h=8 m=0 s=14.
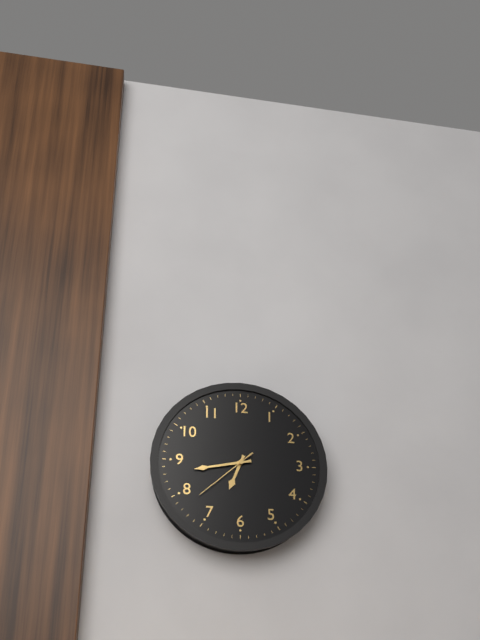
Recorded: h=6 m=43 s=38
